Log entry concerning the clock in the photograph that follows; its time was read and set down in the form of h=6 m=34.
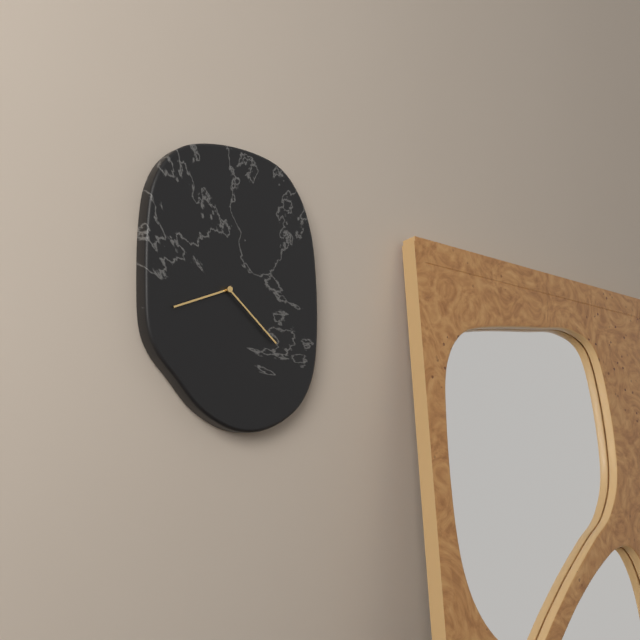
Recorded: h=8 m=22
